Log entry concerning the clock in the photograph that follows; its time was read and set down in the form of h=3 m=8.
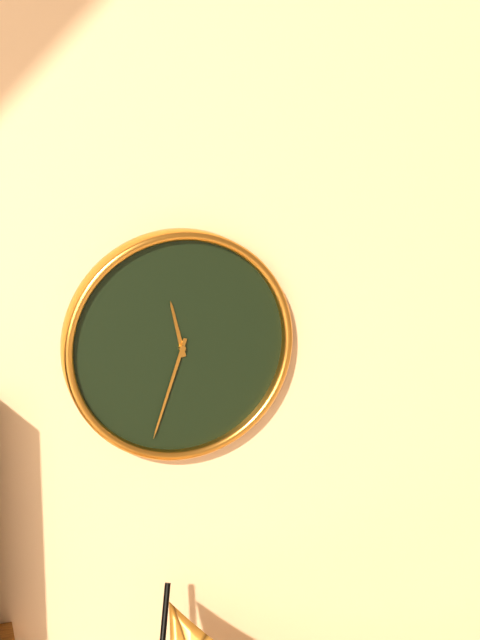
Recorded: h=11 m=33
